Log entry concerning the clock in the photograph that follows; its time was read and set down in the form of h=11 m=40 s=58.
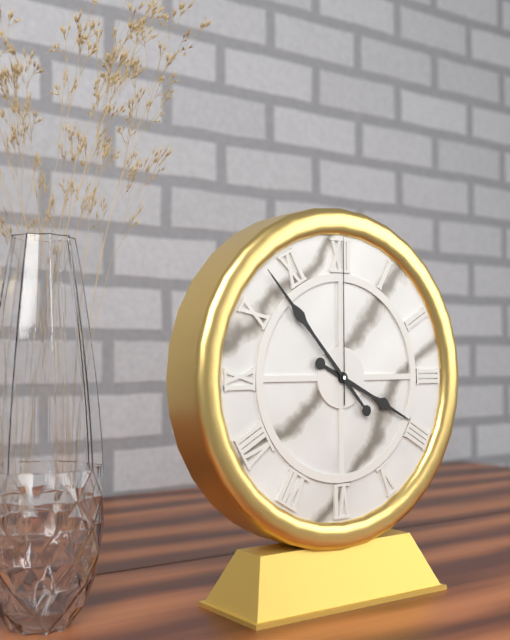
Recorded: h=3 m=53 s=0
